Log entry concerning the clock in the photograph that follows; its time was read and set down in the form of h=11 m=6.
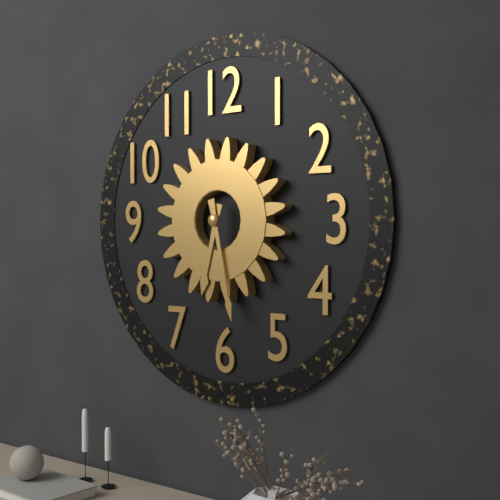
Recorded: h=6 m=28
